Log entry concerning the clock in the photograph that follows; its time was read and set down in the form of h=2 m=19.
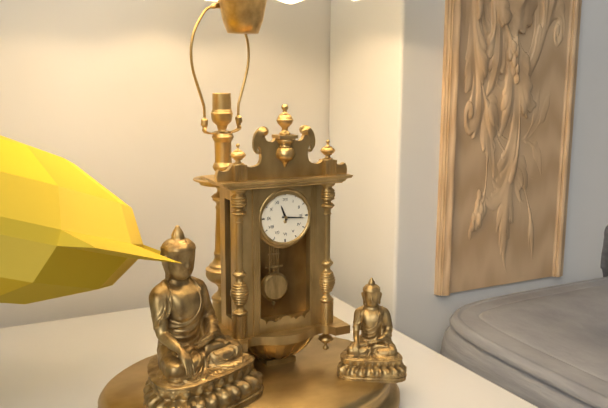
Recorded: h=11 m=16
